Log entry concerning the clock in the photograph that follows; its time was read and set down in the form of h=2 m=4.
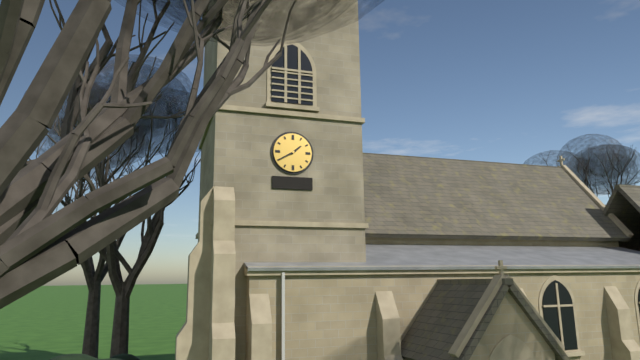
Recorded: h=1 m=40
